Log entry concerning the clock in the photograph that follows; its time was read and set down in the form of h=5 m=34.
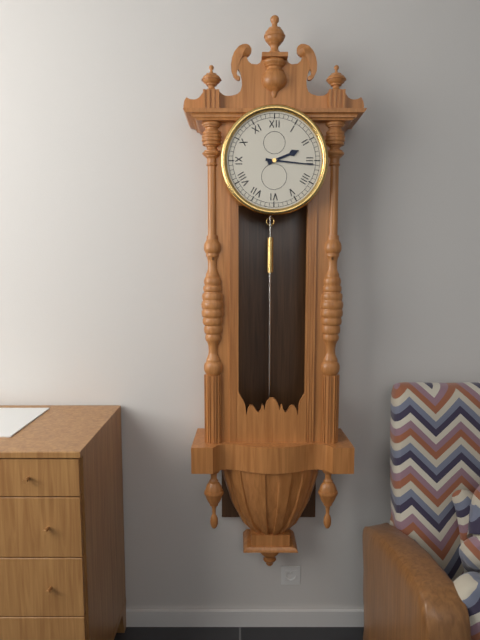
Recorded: h=2 m=16
